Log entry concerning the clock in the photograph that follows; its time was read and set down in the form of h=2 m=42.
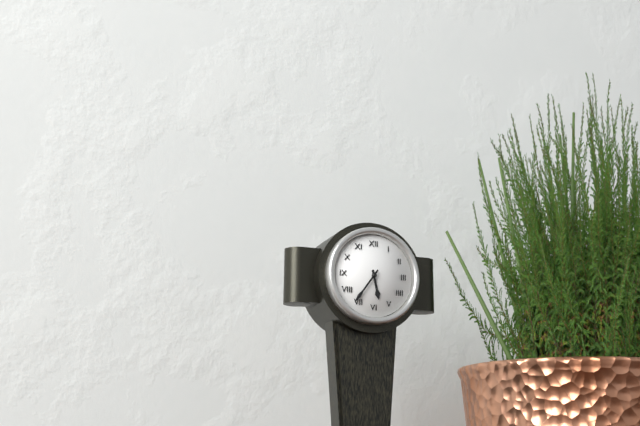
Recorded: h=5 m=36
